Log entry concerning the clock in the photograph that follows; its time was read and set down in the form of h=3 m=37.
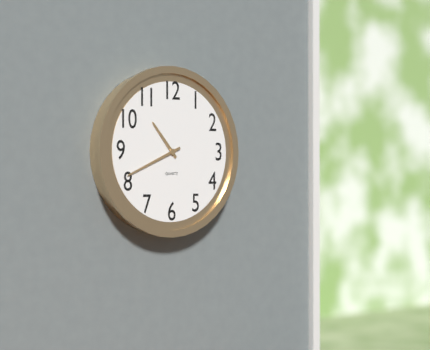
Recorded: h=10 m=41
